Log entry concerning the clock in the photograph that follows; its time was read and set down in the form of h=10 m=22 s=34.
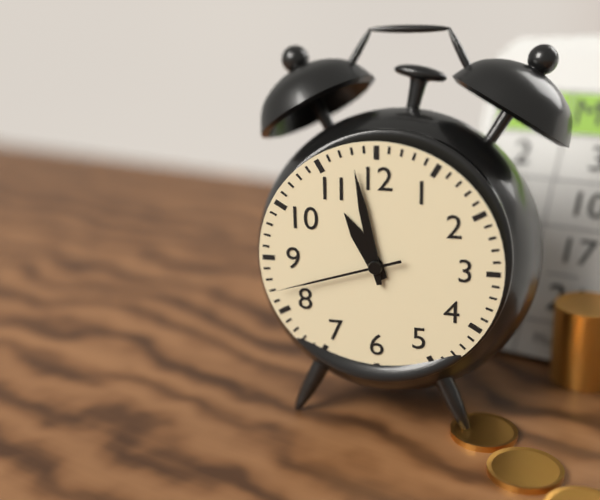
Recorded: h=10 m=58 s=42
